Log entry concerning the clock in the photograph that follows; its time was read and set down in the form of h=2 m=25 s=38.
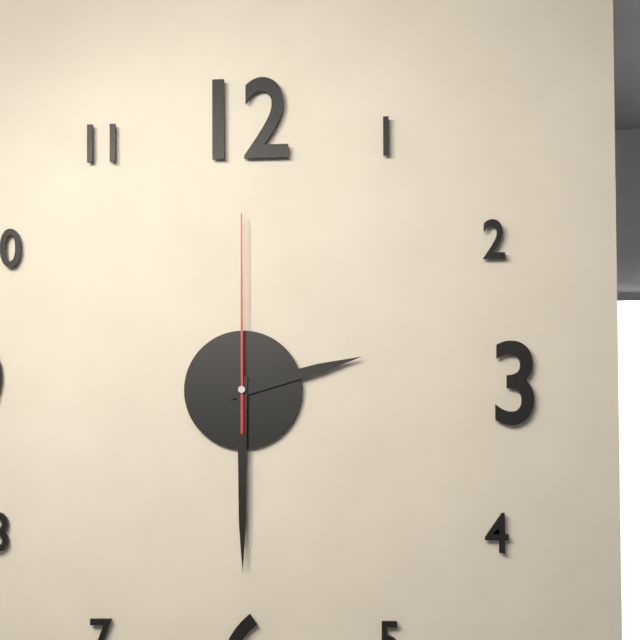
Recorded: h=2 m=30 s=0
